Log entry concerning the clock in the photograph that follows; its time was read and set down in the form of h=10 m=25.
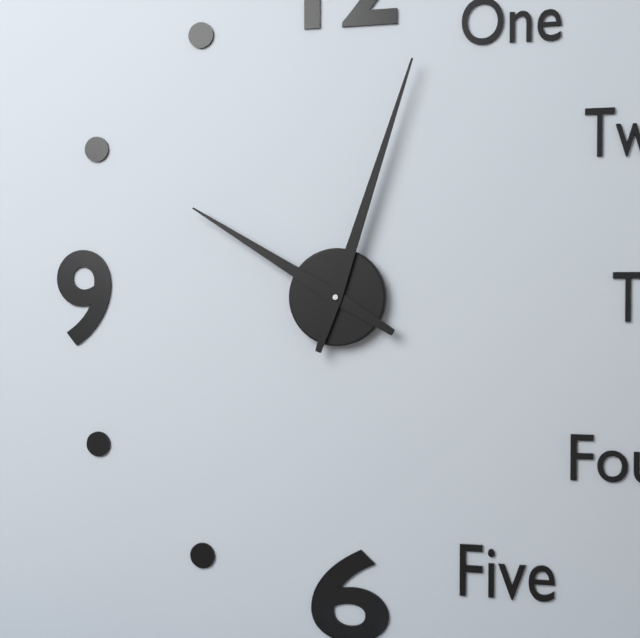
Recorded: h=10 m=3
